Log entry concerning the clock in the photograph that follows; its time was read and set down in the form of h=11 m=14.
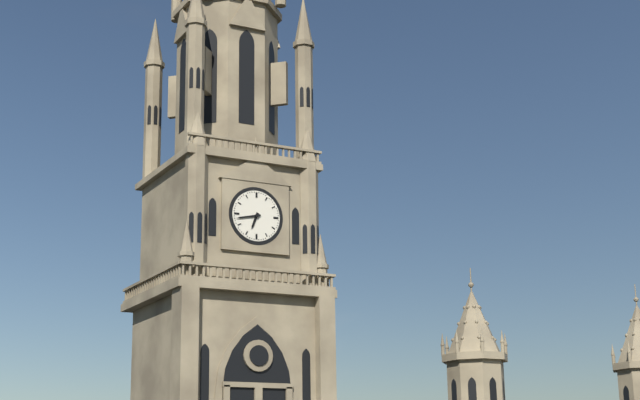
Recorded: h=6 m=43
